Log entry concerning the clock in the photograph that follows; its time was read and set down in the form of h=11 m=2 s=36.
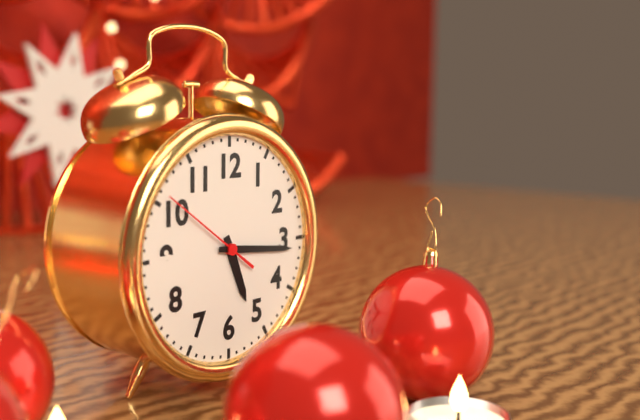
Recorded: h=5 m=16 s=51
